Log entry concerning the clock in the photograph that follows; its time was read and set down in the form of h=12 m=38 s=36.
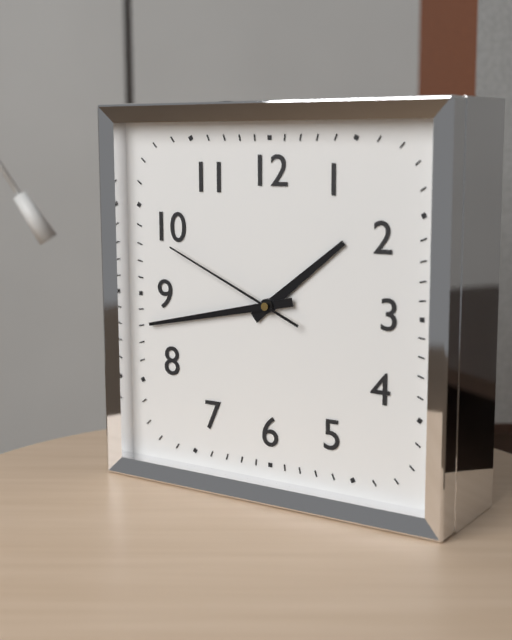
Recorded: h=1 m=43 s=49
